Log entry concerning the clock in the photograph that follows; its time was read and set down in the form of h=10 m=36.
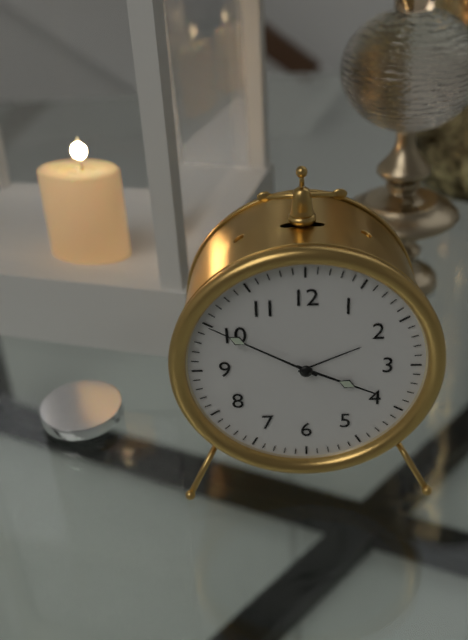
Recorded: h=3 m=50
